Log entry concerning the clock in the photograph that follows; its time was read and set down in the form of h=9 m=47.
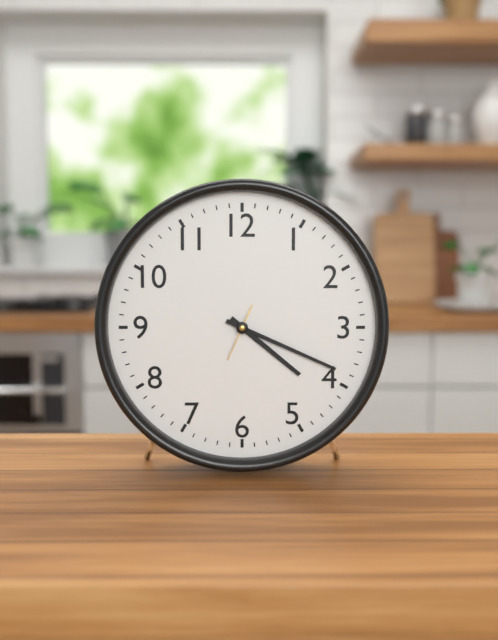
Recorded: h=4 m=19
